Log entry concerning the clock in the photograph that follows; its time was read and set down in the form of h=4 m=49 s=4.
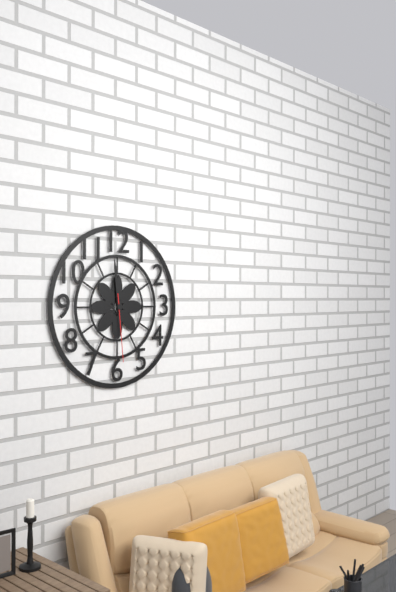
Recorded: h=11 m=59 s=29
